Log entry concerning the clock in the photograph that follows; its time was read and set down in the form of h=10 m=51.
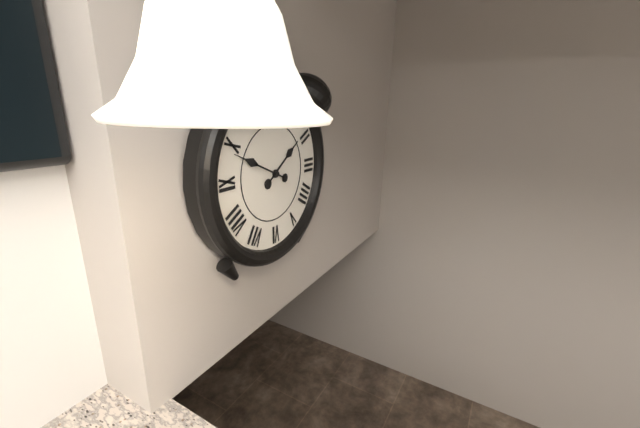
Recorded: h=1 m=49
